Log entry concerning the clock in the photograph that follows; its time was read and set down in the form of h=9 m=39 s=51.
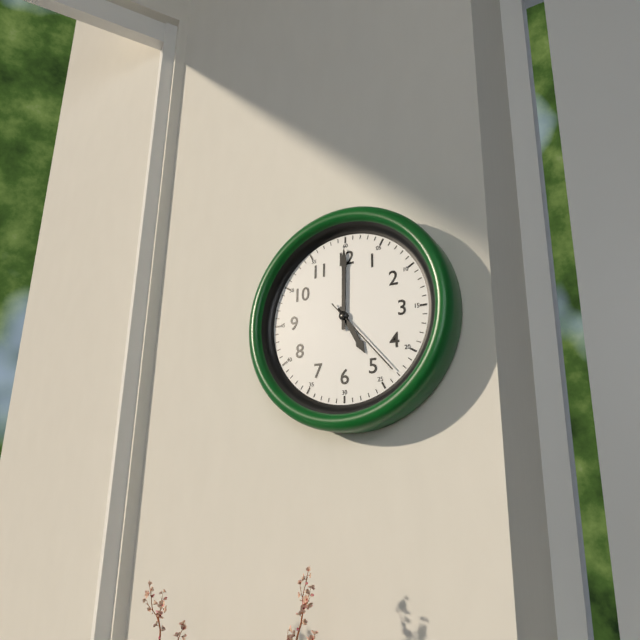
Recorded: h=5 m=0 s=23
